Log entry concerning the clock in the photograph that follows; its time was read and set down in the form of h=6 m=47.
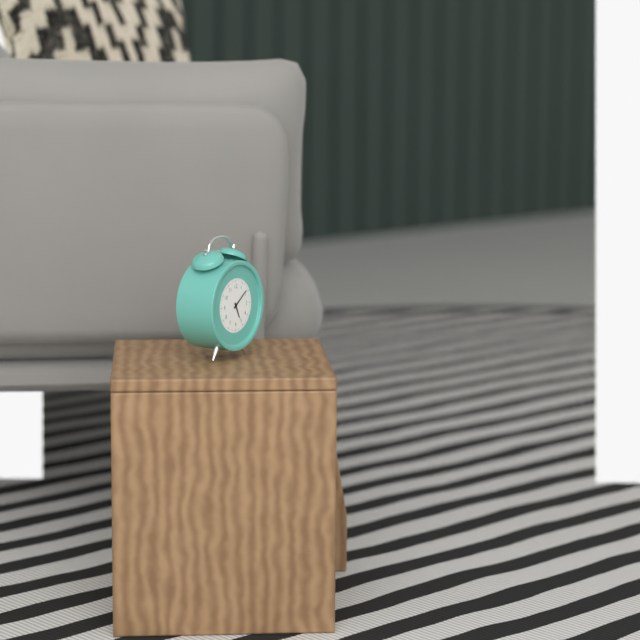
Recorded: h=5 m=9
